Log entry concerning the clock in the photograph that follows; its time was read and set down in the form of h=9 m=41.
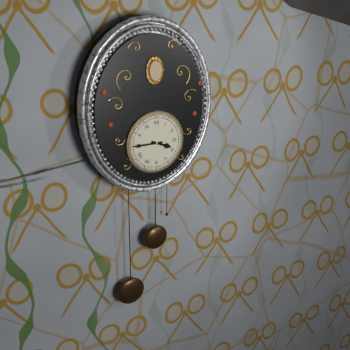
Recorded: h=3 m=45
